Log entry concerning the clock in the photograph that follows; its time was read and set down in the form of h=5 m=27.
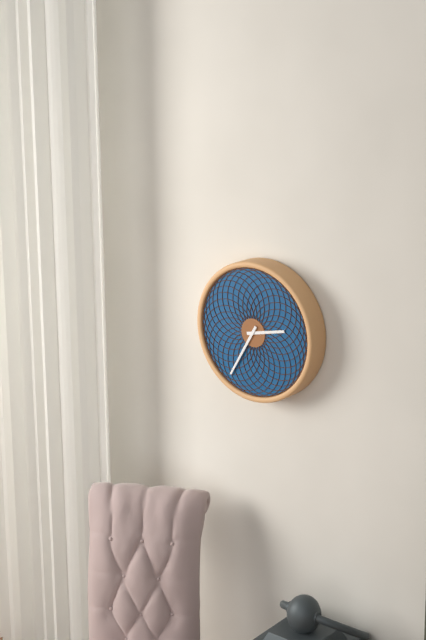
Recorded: h=2 m=35
